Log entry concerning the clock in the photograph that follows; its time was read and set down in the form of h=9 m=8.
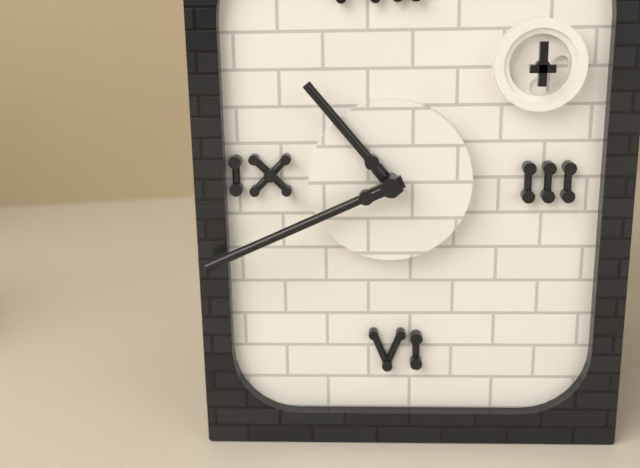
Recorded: h=10 m=41
